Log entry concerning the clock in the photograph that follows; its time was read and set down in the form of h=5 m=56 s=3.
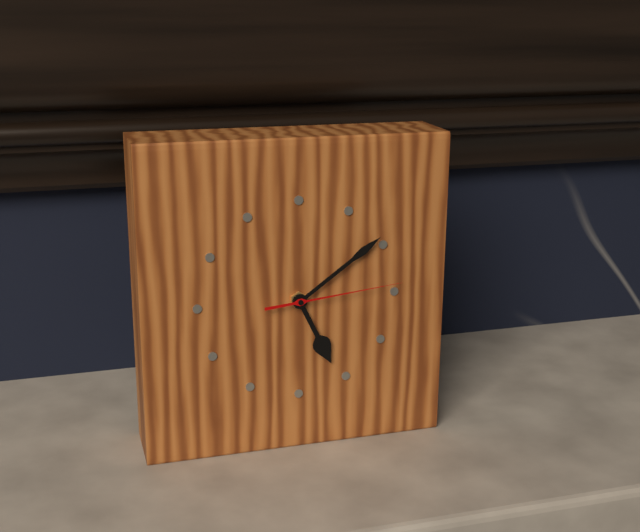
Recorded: h=5 m=9 s=14
